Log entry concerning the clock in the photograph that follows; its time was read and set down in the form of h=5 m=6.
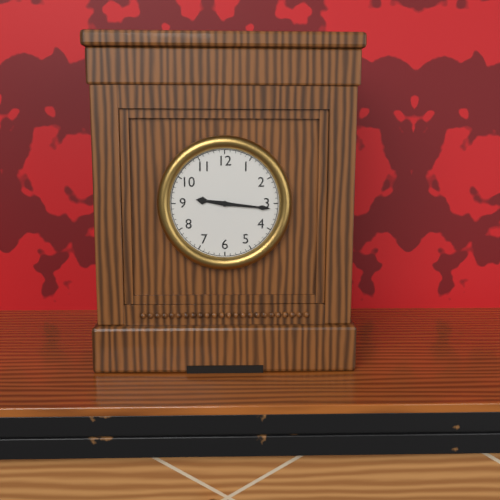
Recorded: h=9 m=16
